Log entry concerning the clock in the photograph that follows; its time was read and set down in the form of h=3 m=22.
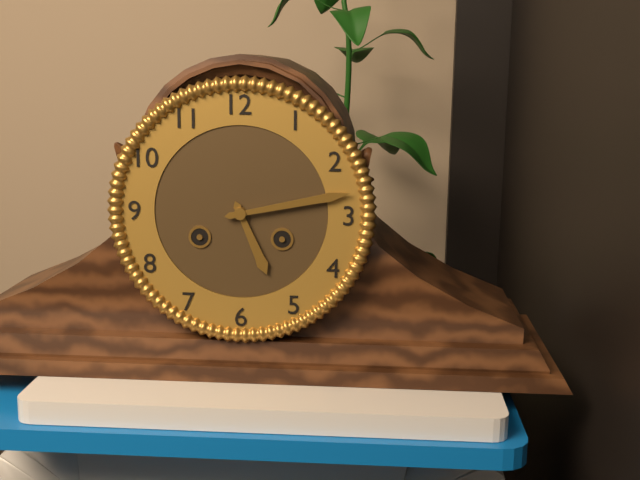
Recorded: h=5 m=13
